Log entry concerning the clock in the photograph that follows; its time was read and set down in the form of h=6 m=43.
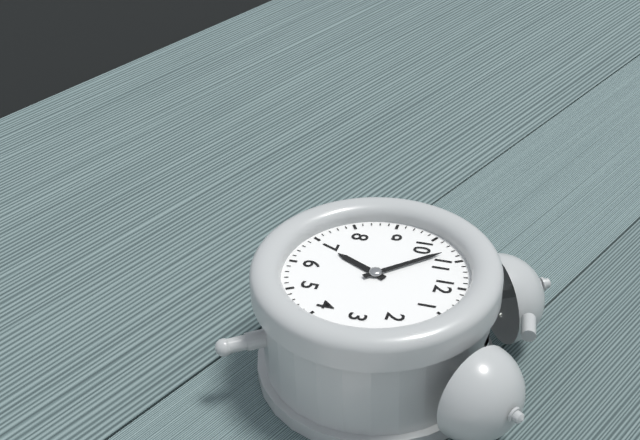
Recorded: h=6 m=53
